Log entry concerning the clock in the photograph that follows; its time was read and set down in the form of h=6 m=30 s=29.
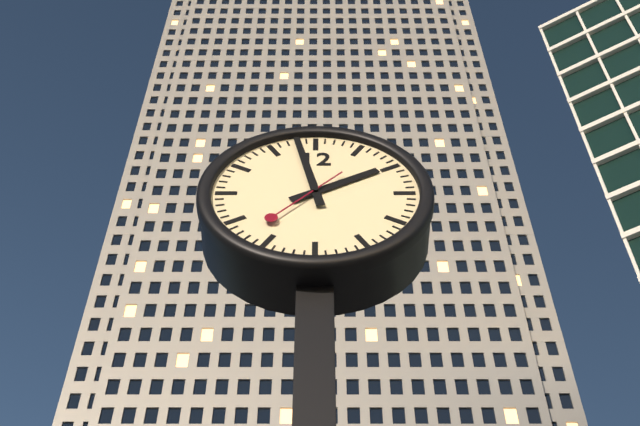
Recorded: h=1 m=58 s=37
